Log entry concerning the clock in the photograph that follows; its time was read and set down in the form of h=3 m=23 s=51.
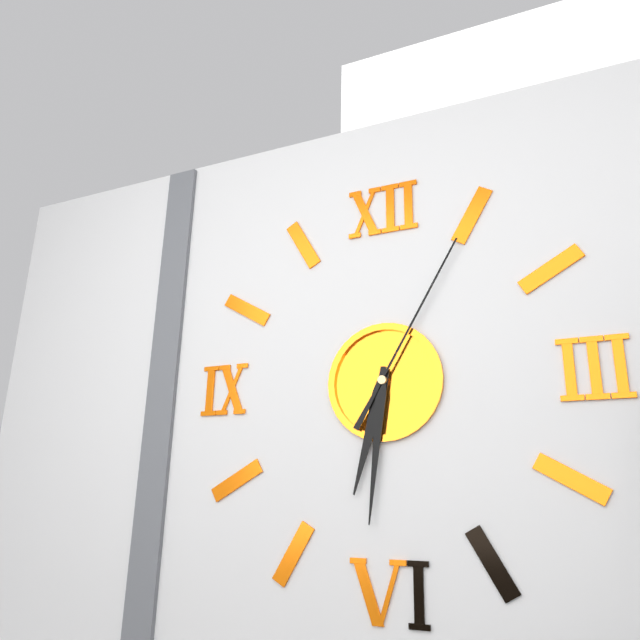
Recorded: h=6 m=31 s=5
